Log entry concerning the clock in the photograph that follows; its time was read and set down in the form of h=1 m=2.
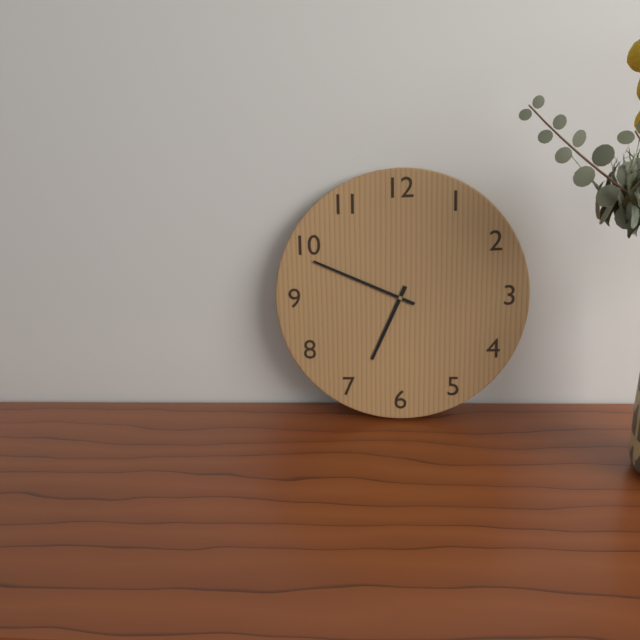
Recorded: h=6 m=49
